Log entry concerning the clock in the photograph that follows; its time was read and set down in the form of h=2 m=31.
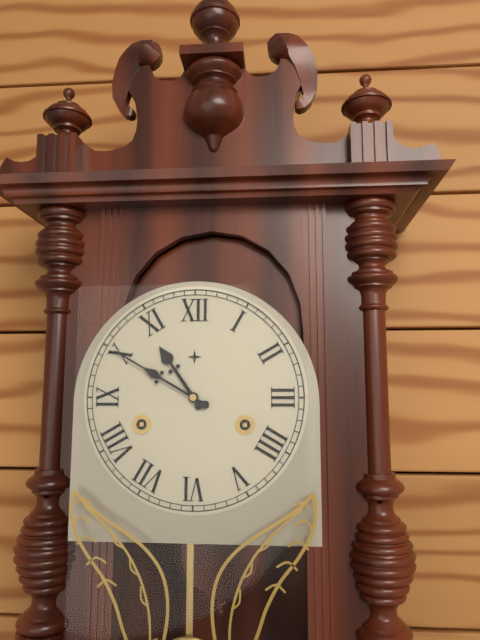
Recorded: h=10 m=50
